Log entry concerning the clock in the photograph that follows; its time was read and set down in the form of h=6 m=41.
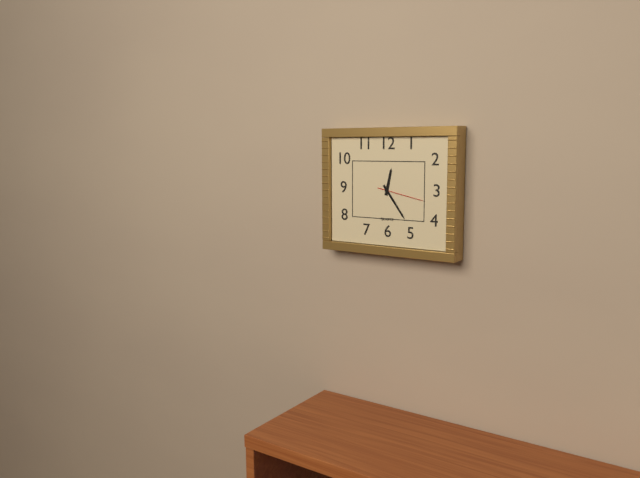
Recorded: h=12 m=24
